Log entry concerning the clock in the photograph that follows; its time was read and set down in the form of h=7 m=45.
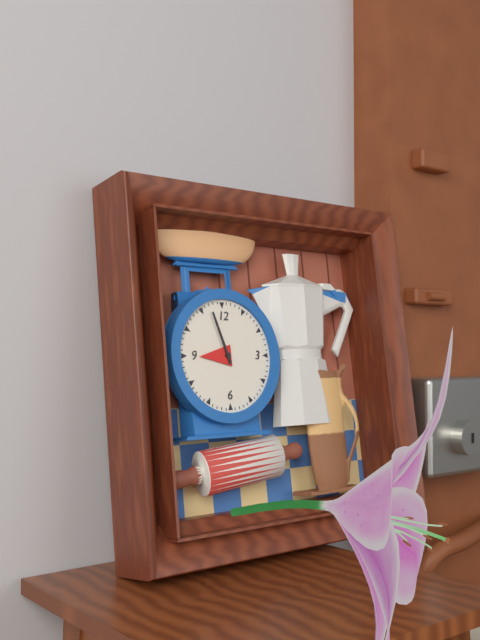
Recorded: h=8 m=57
